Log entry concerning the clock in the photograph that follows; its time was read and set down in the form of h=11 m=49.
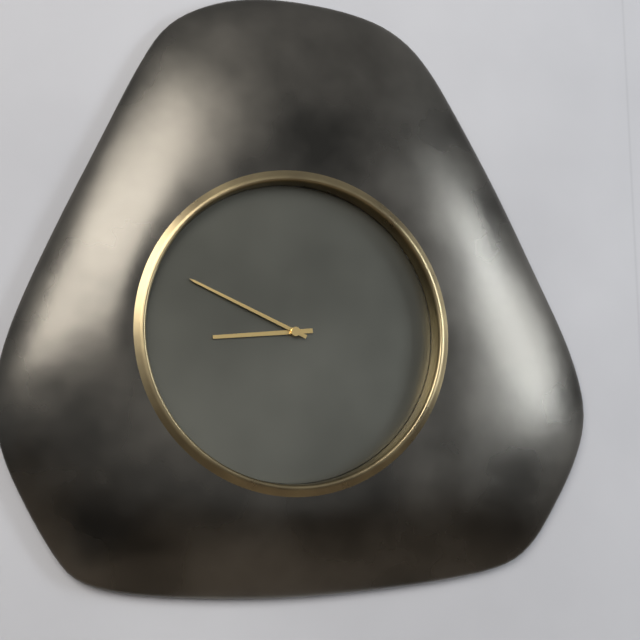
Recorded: h=8 m=49
